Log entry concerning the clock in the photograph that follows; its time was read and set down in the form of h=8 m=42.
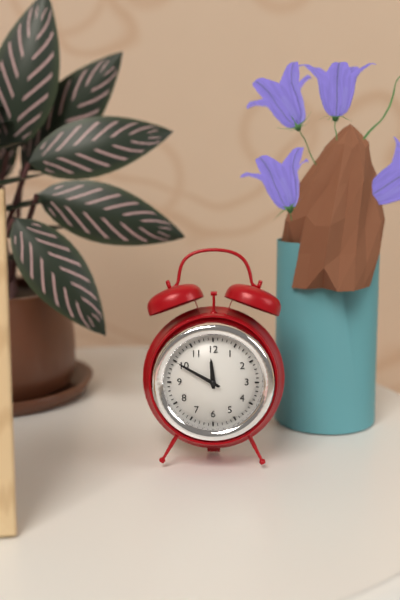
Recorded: h=11 m=50
